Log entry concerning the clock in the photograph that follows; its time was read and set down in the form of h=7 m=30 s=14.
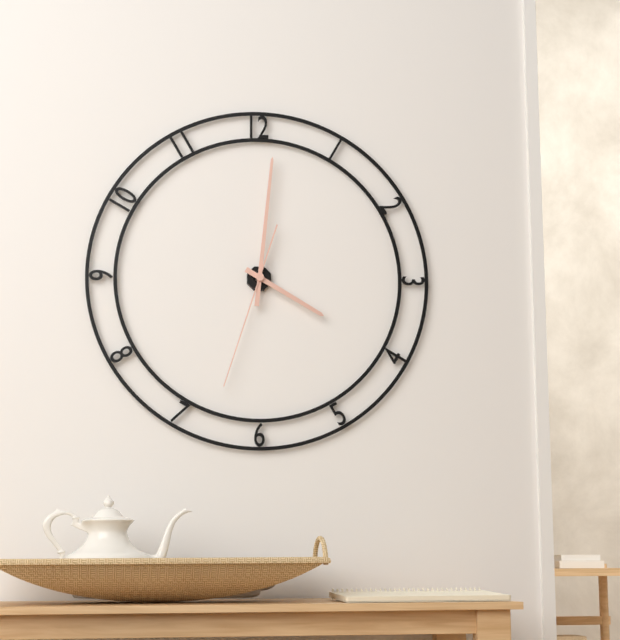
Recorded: h=4 m=1 s=33
